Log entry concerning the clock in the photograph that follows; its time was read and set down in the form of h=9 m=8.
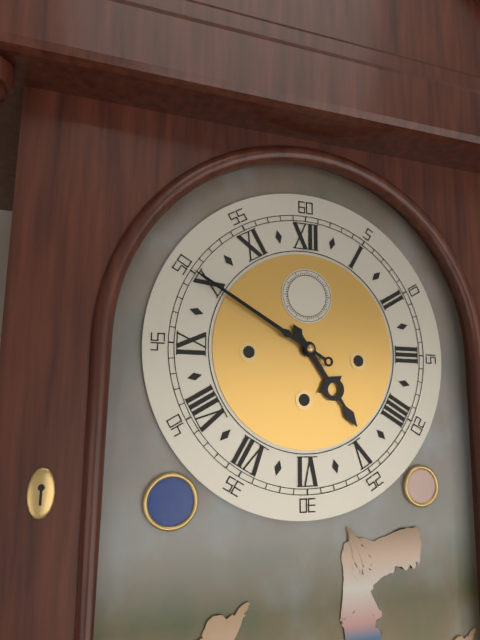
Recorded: h=4 m=50
